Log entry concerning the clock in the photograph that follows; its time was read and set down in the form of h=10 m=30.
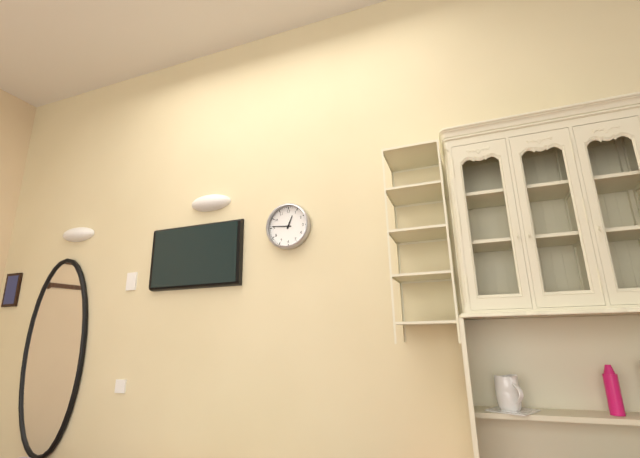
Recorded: h=12 m=46
